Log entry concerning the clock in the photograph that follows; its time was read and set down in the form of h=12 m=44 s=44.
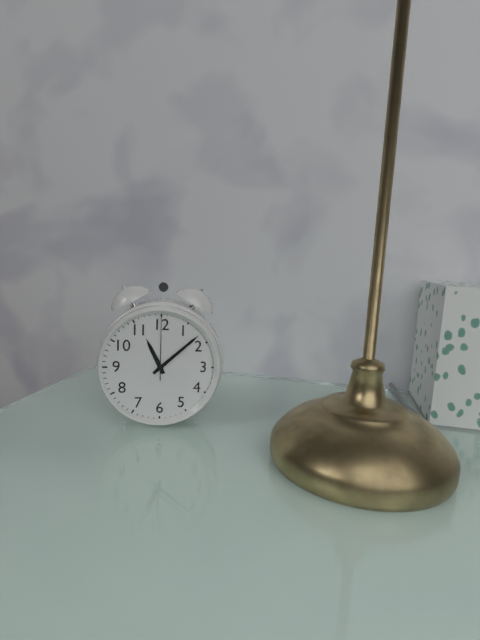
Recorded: h=11 m=8 s=0
